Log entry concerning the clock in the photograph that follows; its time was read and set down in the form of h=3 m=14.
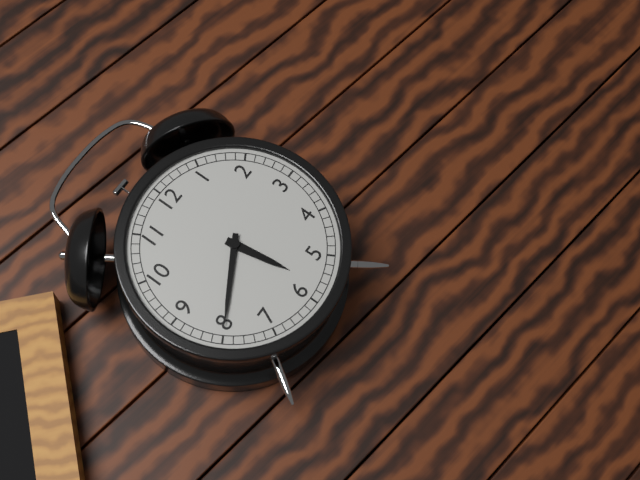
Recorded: h=5 m=40
